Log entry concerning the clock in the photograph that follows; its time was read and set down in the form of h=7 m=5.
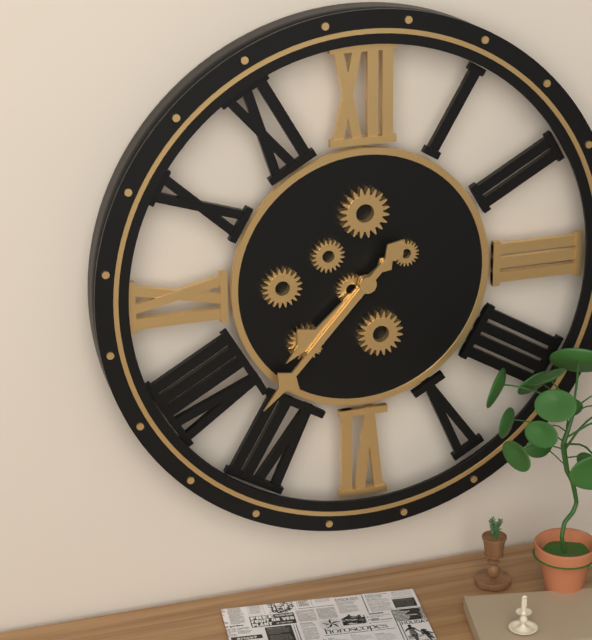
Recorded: h=7 m=37
